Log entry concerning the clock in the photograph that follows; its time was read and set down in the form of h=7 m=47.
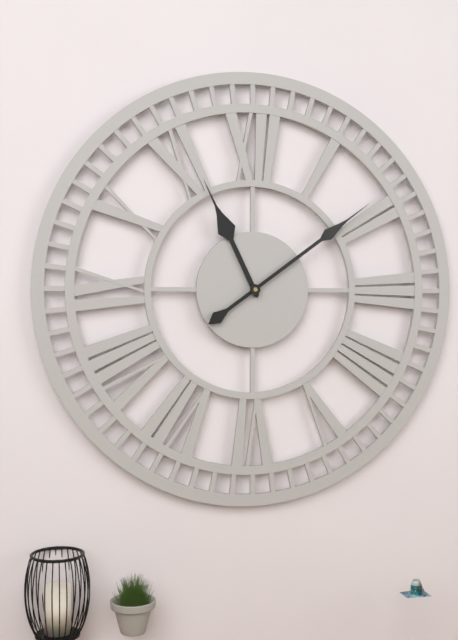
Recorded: h=11 m=9
